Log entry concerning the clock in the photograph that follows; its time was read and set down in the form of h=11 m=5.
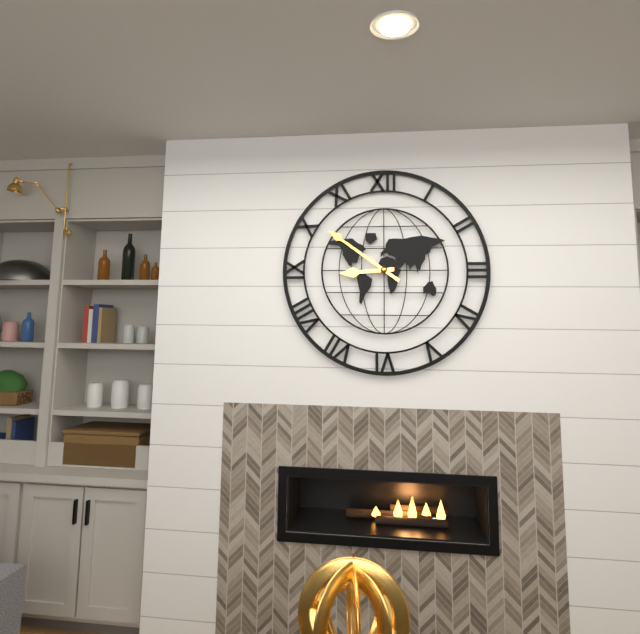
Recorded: h=8 m=51
